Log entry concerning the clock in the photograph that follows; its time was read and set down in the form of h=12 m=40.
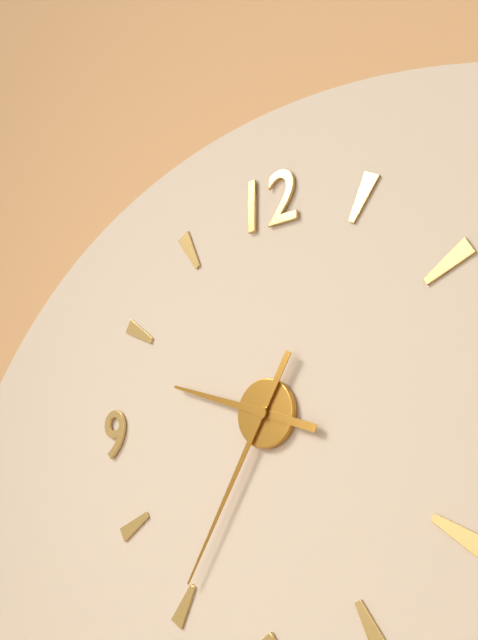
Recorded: h=9 m=35
